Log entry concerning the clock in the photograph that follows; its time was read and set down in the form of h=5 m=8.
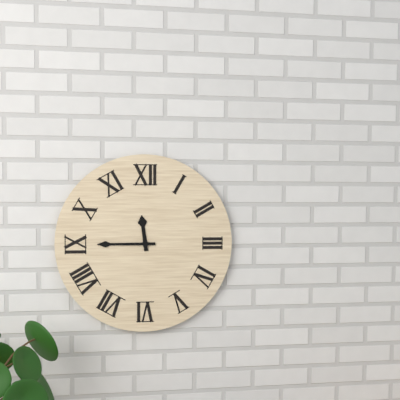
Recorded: h=11 m=45
